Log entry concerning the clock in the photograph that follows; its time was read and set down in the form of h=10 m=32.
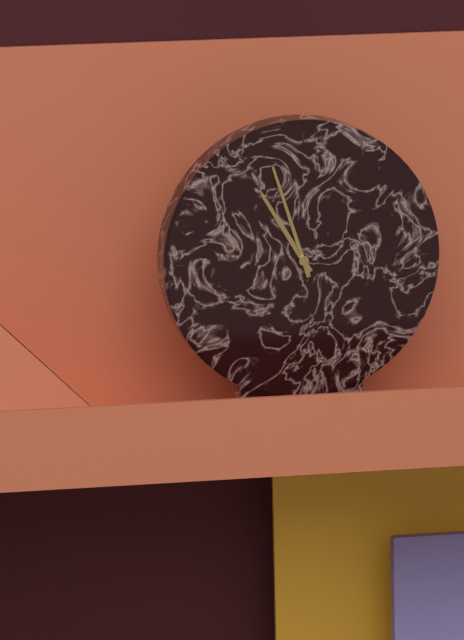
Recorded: h=10 m=57
